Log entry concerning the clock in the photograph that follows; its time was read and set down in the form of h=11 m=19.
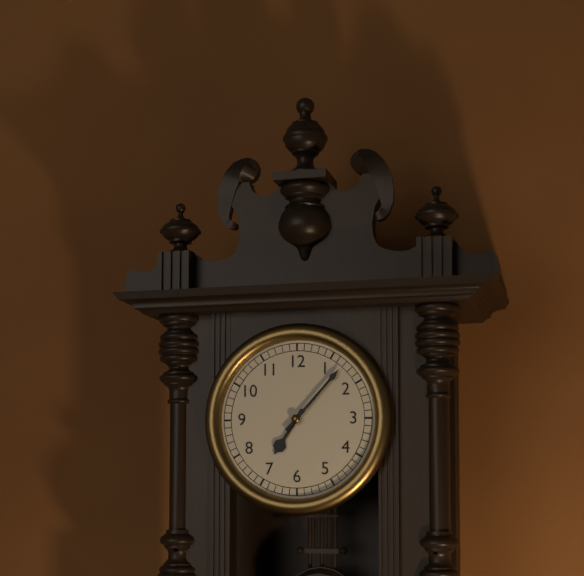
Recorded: h=7 m=7
